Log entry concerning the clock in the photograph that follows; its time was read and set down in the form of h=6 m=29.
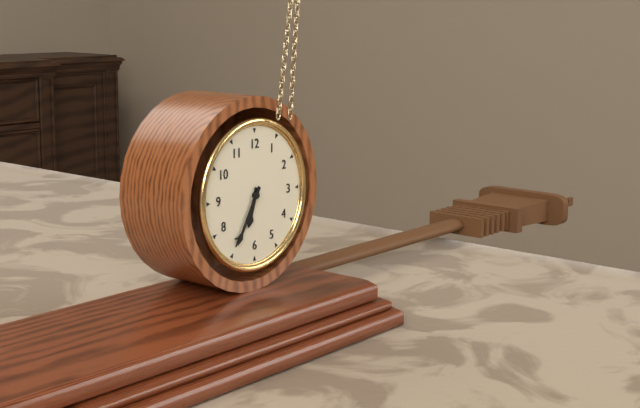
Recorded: h=6 m=35
